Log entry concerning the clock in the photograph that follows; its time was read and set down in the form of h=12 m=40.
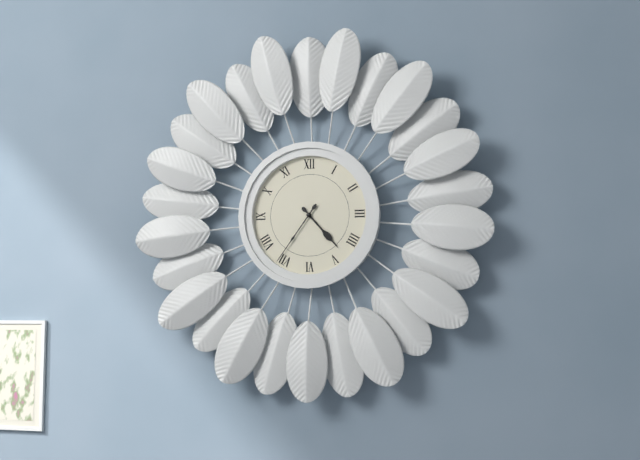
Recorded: h=4 m=36
